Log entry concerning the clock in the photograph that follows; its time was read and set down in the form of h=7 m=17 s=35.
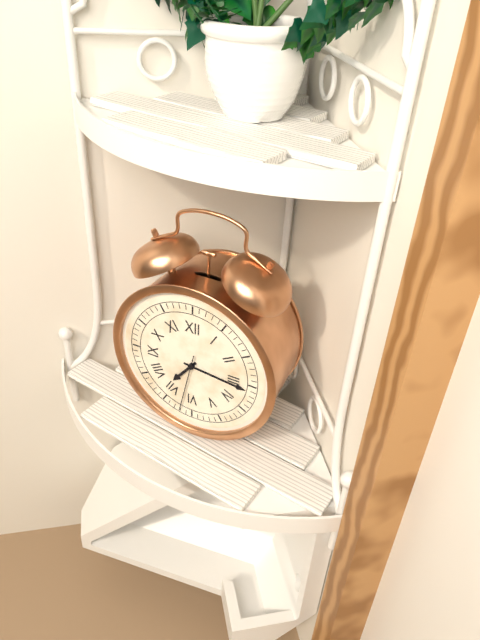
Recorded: h=7 m=16 s=32
